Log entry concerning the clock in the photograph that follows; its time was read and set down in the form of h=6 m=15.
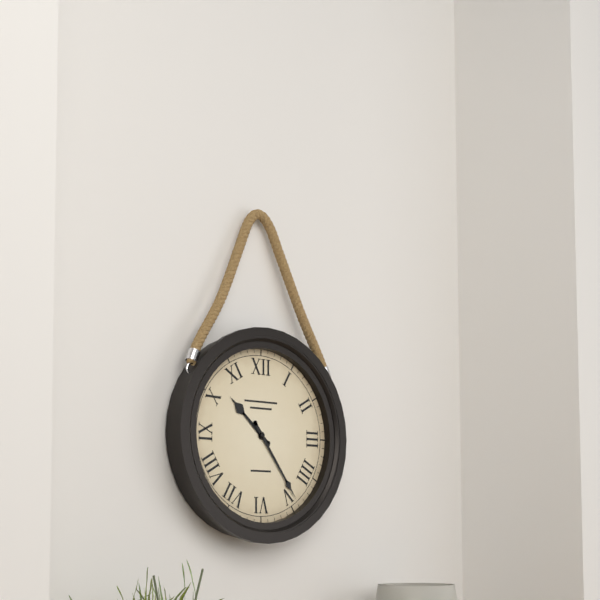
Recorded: h=10 m=24
